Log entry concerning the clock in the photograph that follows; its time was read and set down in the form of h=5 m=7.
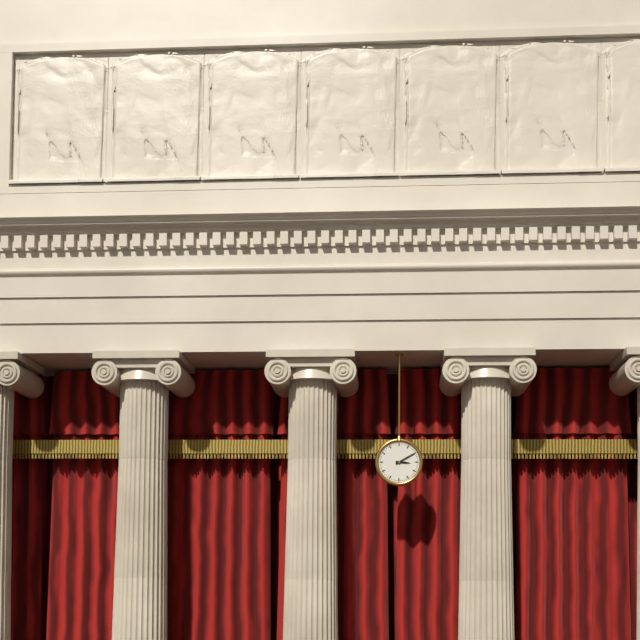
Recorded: h=3 m=10
